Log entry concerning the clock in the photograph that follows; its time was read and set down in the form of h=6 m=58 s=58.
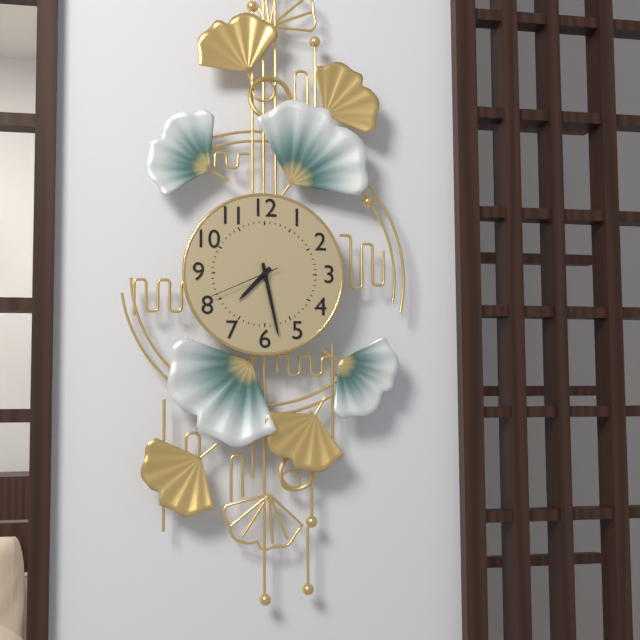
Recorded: h=7 m=28 s=41
